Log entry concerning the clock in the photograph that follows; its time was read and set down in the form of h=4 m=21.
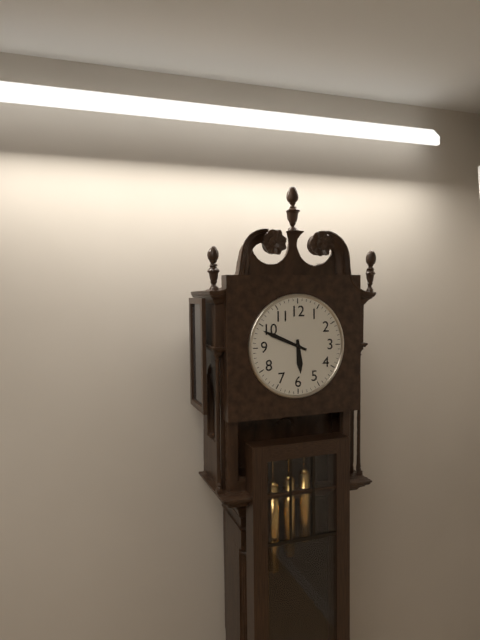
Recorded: h=5 m=49
